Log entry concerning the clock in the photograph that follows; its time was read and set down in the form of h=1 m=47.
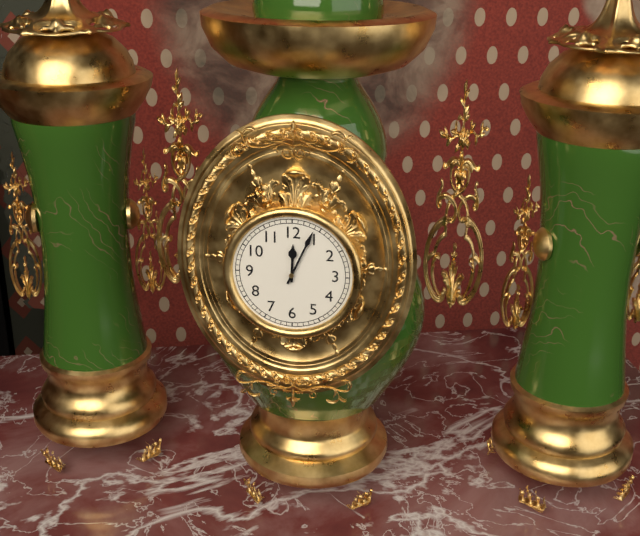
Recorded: h=12 m=4
